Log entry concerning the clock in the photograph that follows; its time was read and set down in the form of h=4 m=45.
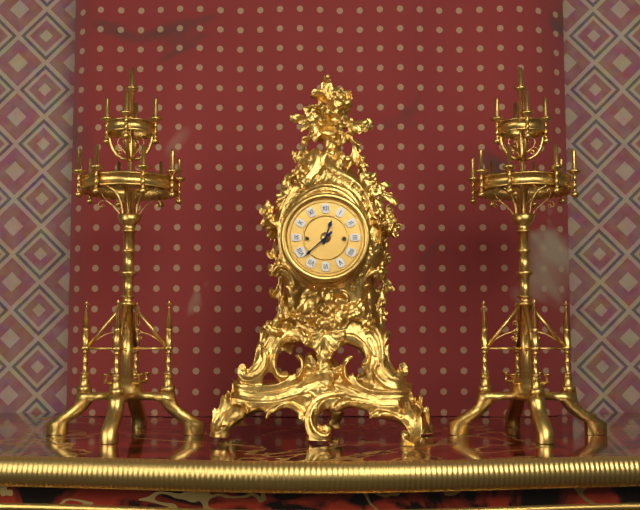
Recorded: h=12 m=38
